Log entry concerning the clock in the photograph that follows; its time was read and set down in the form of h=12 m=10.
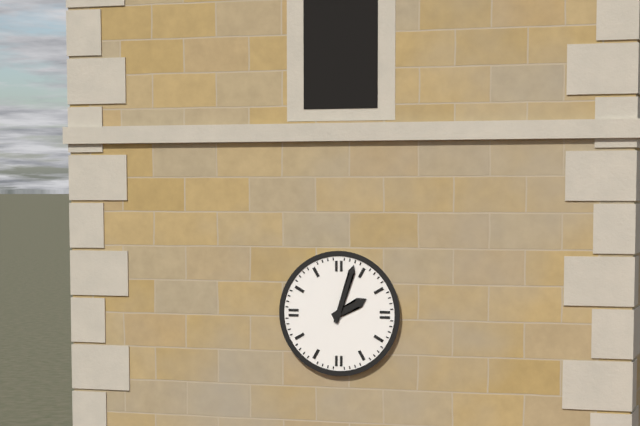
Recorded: h=2 m=3
